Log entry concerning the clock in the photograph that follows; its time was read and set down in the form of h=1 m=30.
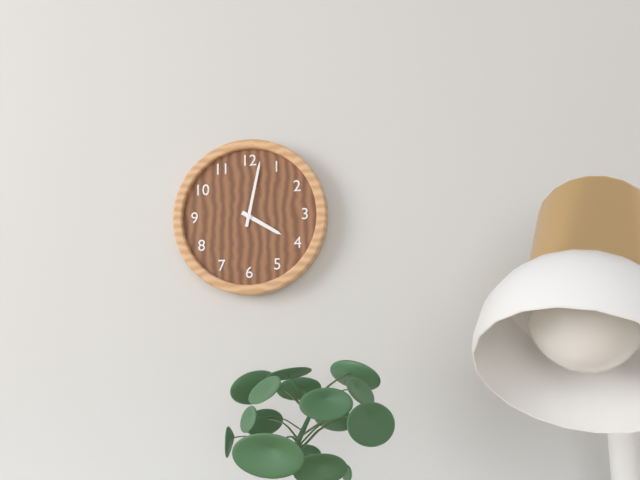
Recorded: h=4 m=2
